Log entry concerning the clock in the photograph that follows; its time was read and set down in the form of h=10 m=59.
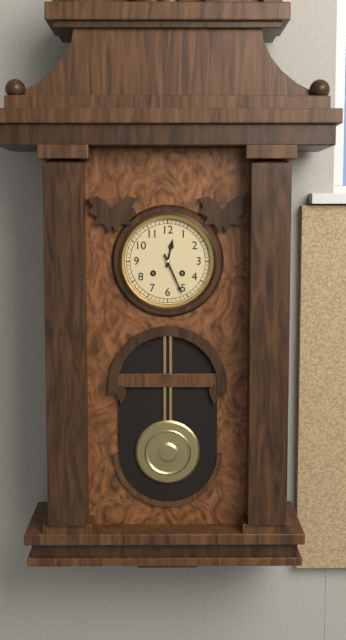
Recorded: h=12 m=26
